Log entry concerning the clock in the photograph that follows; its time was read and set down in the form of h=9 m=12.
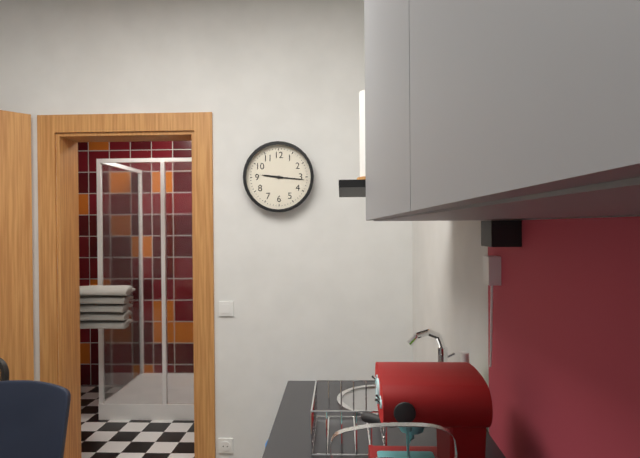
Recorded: h=9 m=16
